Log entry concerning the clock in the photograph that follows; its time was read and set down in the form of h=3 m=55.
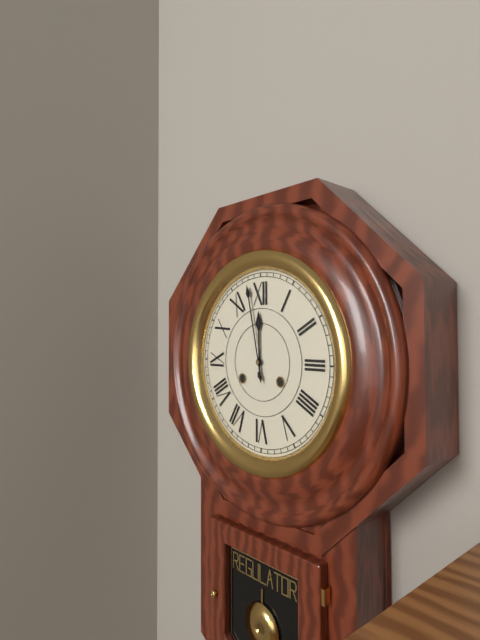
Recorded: h=11 m=58
